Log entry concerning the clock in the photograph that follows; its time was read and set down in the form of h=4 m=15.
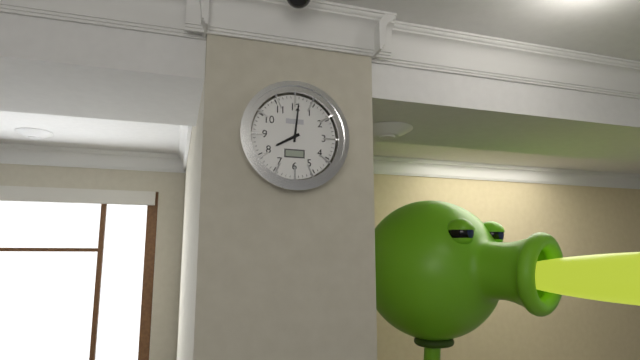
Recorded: h=8 m=1
